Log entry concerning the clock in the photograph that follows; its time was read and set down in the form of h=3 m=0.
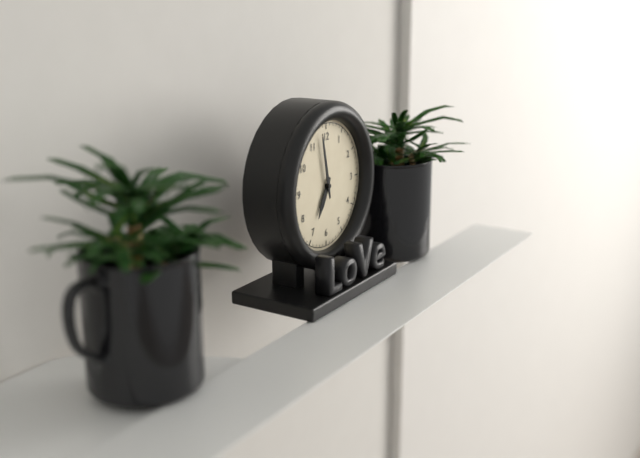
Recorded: h=6 m=58
